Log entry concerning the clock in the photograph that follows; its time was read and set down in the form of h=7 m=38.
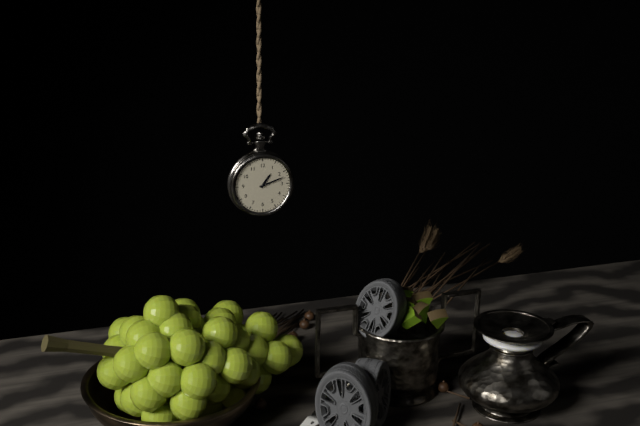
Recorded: h=1 m=12
